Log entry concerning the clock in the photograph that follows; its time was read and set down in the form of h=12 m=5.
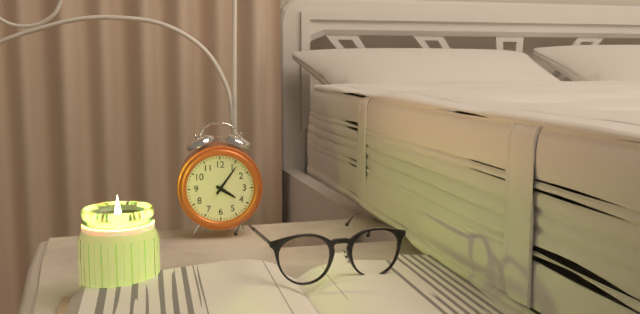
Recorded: h=4 m=6
